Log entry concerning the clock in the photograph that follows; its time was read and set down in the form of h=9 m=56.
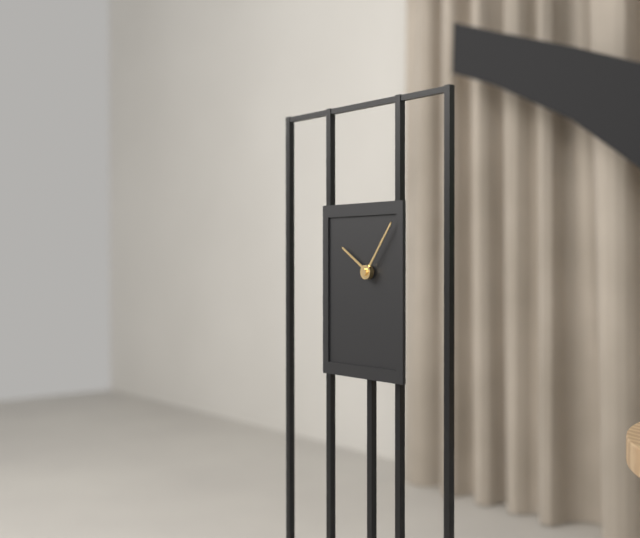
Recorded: h=10 m=6
